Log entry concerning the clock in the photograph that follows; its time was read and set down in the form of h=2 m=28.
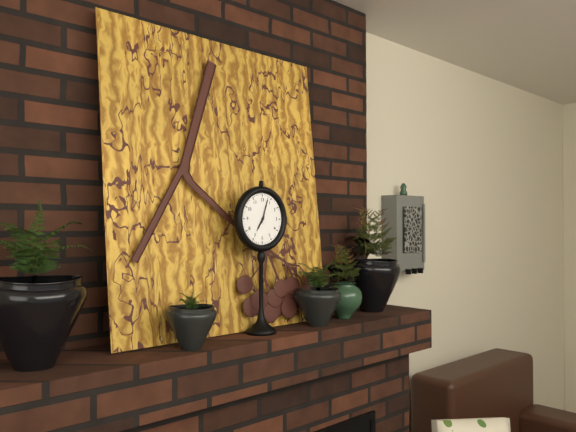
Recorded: h=7 m=3
